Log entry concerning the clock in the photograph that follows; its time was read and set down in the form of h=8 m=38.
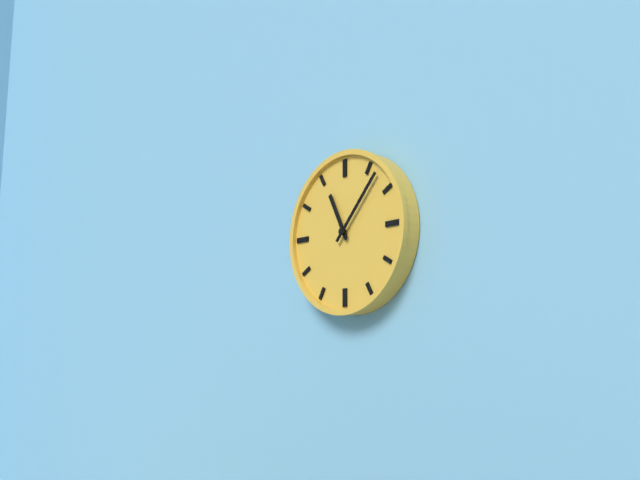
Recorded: h=11 m=7
